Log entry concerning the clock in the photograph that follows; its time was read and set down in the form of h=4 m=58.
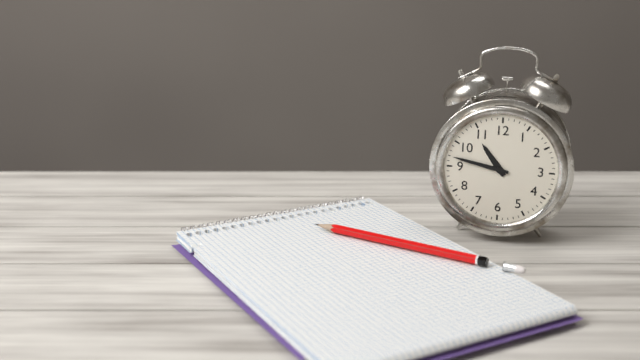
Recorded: h=10 m=47
